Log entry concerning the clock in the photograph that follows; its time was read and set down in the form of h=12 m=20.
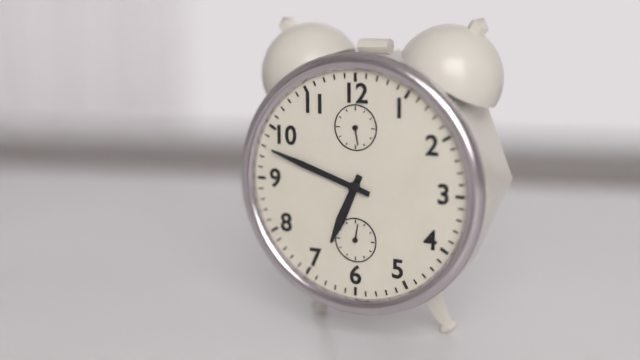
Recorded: h=6 m=48
